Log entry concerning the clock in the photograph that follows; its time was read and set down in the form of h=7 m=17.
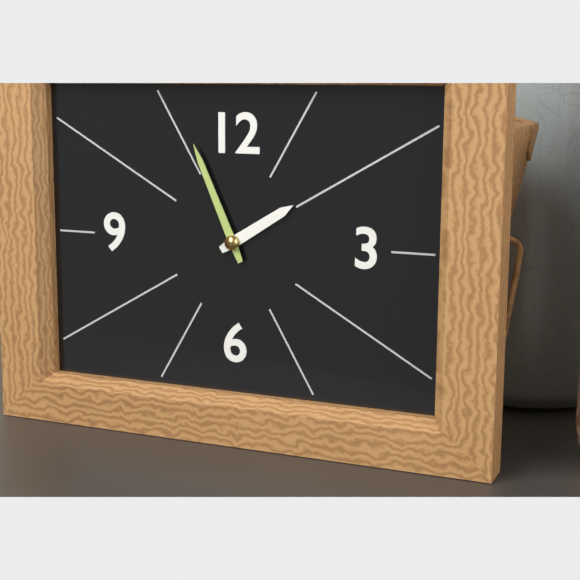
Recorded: h=1 m=56
